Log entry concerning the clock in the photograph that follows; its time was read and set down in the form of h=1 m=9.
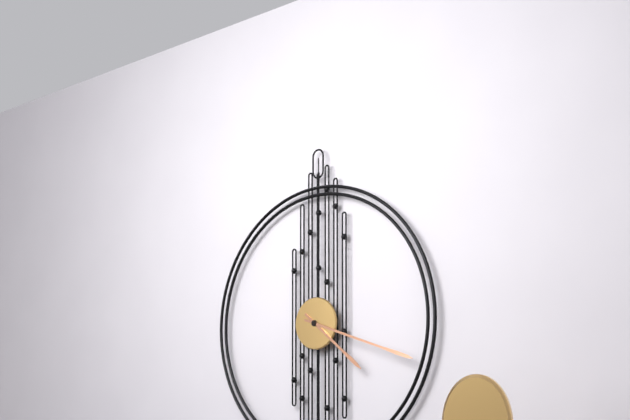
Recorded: h=4 m=18
